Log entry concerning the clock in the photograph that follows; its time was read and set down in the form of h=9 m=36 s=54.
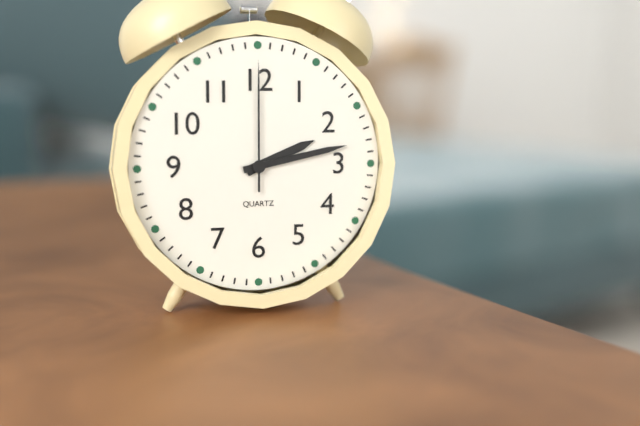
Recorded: h=2 m=13 s=0
